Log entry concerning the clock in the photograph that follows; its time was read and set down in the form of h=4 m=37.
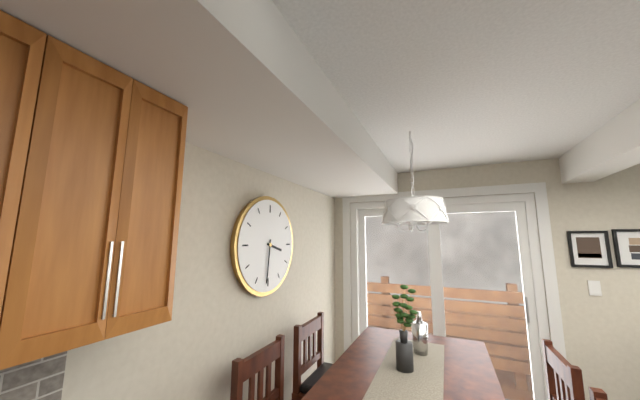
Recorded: h=3 m=31
